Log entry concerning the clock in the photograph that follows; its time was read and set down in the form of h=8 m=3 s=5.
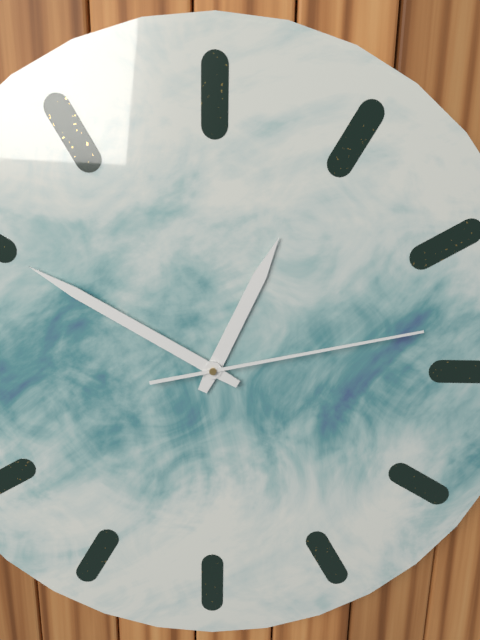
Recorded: h=12 m=50 s=13
